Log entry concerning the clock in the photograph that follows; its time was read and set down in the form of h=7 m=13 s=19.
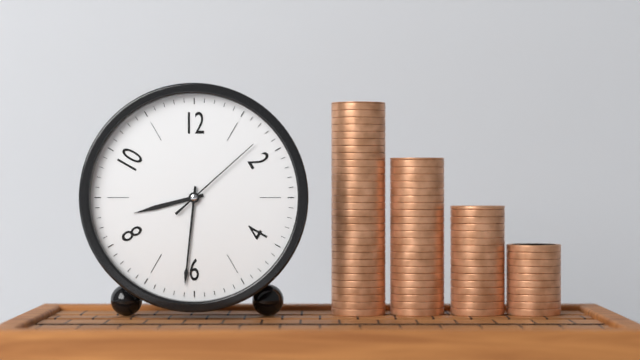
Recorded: h=8 m=31 s=8
